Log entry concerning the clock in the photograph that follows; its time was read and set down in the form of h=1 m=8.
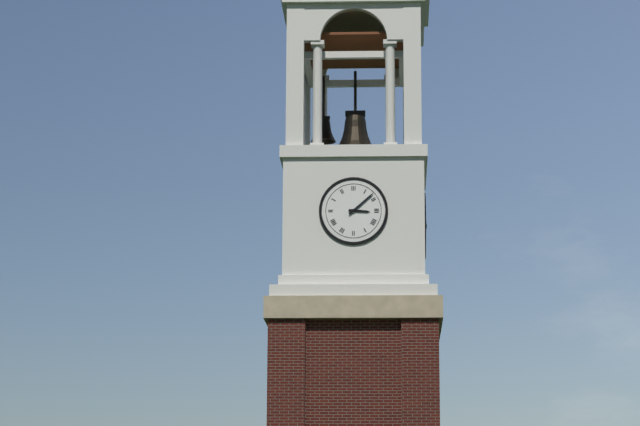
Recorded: h=3 m=8
